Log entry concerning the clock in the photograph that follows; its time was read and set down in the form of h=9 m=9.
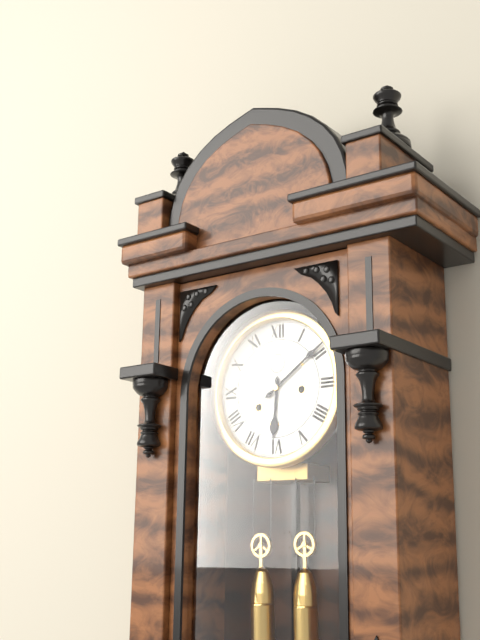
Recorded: h=6 m=9
